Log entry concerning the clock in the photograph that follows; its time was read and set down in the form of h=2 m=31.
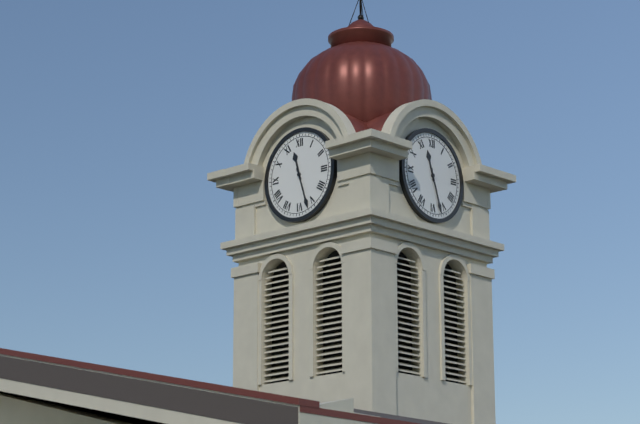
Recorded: h=11 m=27
